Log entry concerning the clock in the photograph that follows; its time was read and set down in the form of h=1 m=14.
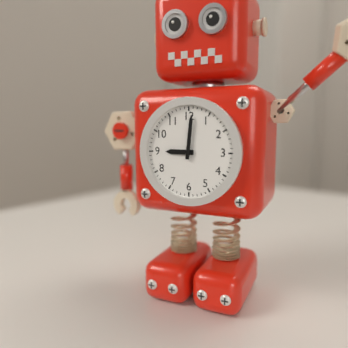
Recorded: h=9 m=1
